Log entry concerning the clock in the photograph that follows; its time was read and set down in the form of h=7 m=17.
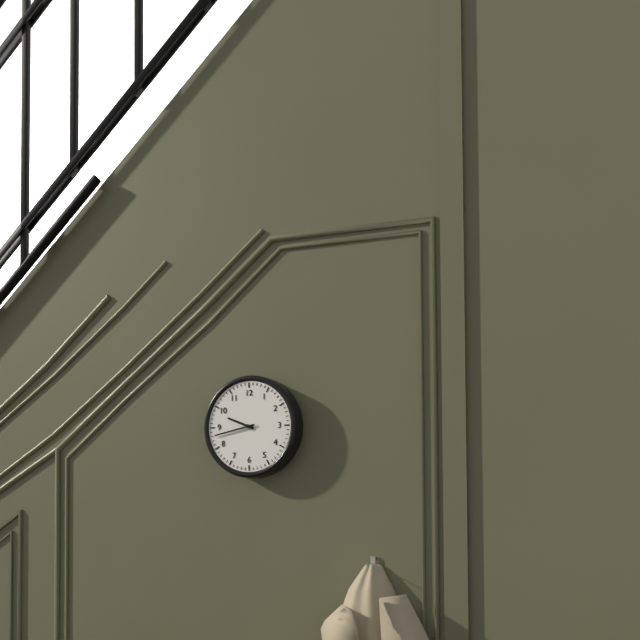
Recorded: h=9 m=43
